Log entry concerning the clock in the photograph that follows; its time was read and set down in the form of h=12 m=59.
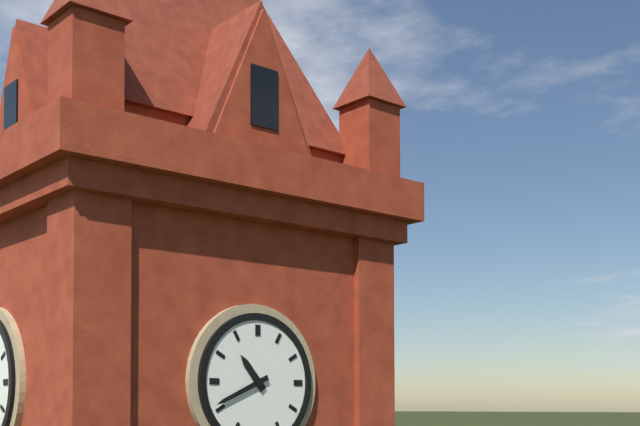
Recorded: h=10 m=41
